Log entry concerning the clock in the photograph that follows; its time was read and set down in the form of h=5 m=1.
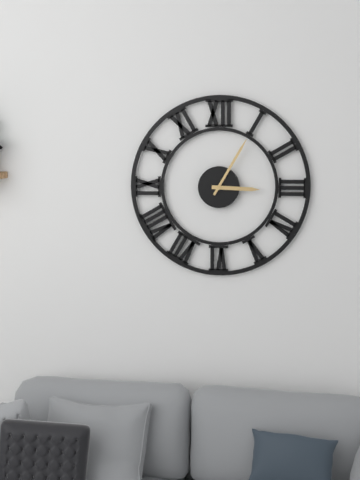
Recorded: h=3 m=5
